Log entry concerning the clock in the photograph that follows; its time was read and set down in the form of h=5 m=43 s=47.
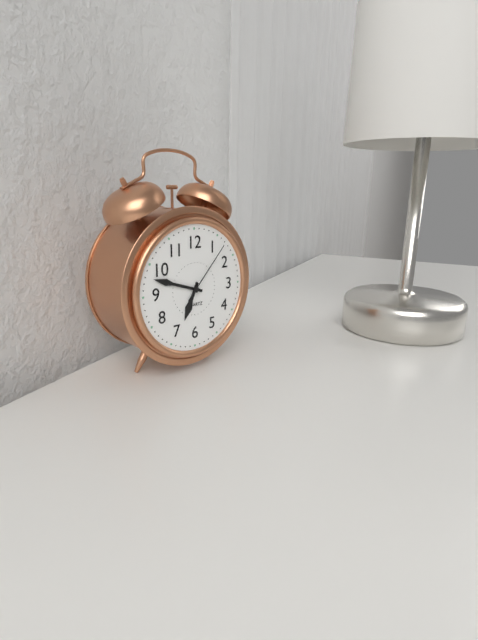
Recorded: h=6 m=48 s=7
